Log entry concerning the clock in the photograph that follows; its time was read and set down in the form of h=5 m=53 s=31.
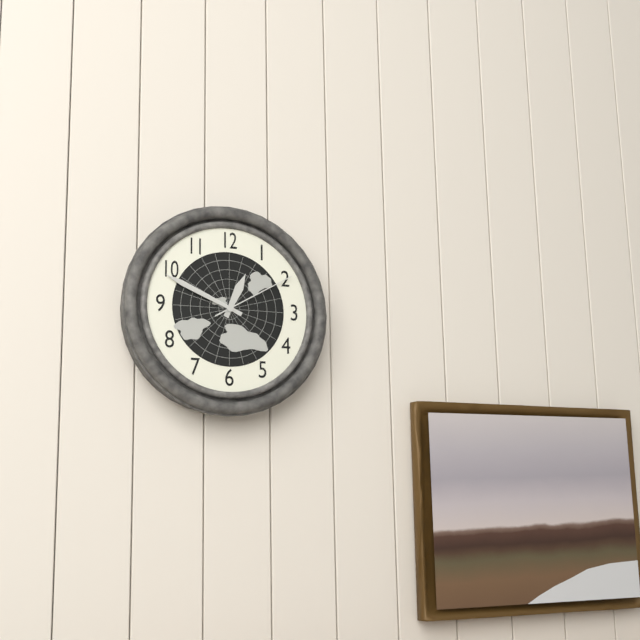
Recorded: h=12 m=49 s=10
